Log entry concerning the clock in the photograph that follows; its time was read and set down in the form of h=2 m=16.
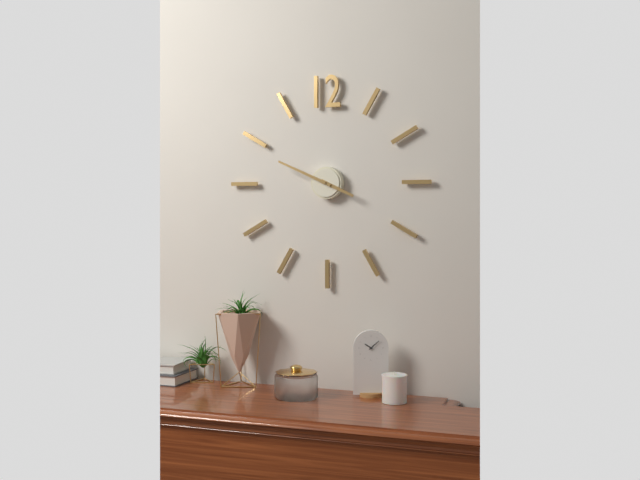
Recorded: h=3 m=49
